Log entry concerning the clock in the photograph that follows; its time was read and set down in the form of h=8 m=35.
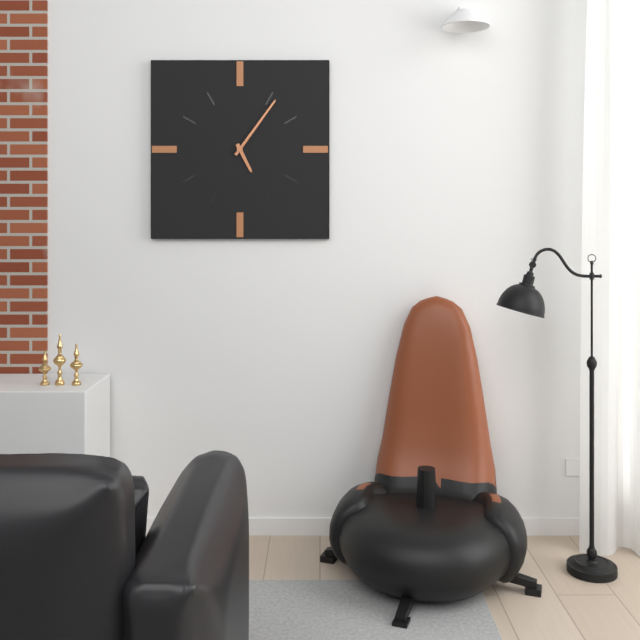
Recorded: h=5 m=6
